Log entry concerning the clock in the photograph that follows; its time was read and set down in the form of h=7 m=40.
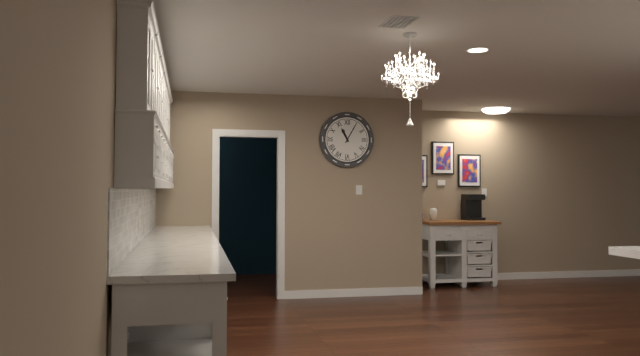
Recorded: h=11 m=5
